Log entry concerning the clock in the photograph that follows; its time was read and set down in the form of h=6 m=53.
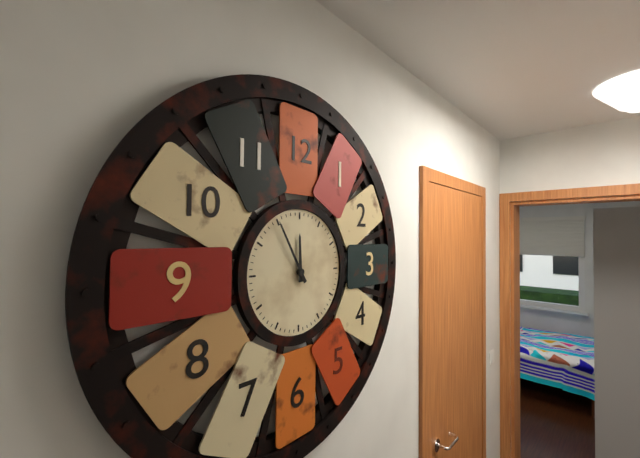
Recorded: h=11 m=55
